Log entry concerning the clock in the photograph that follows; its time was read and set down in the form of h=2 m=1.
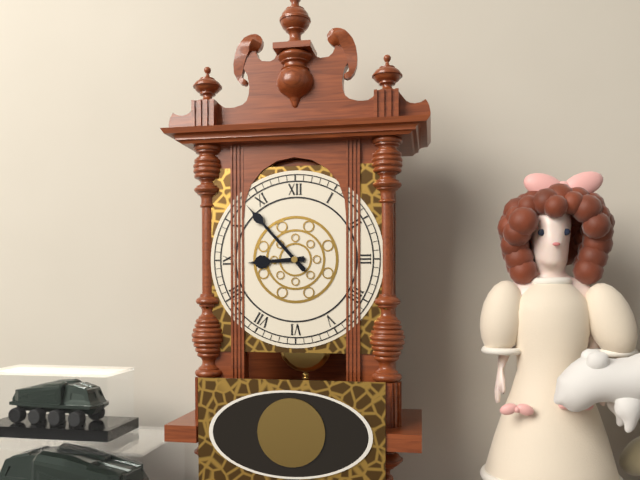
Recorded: h=8 m=53
